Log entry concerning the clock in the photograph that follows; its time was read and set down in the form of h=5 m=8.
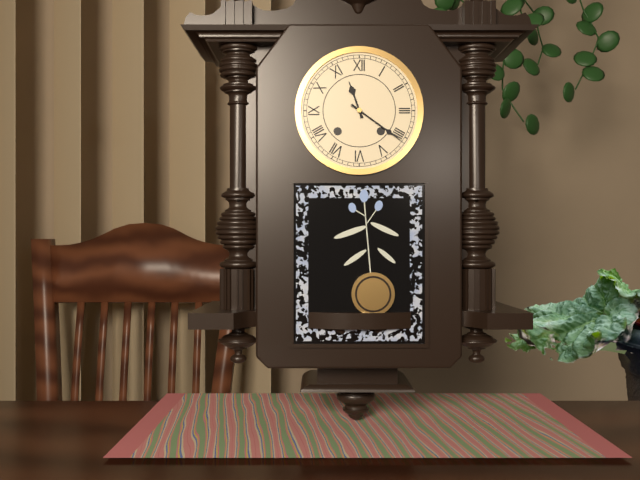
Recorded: h=11 m=21
